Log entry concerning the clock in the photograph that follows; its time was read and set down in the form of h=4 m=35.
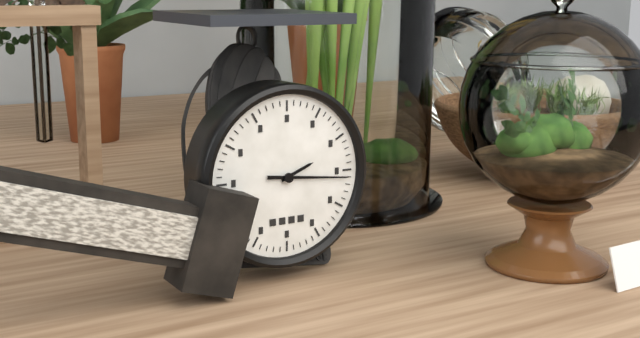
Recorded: h=2 m=16
